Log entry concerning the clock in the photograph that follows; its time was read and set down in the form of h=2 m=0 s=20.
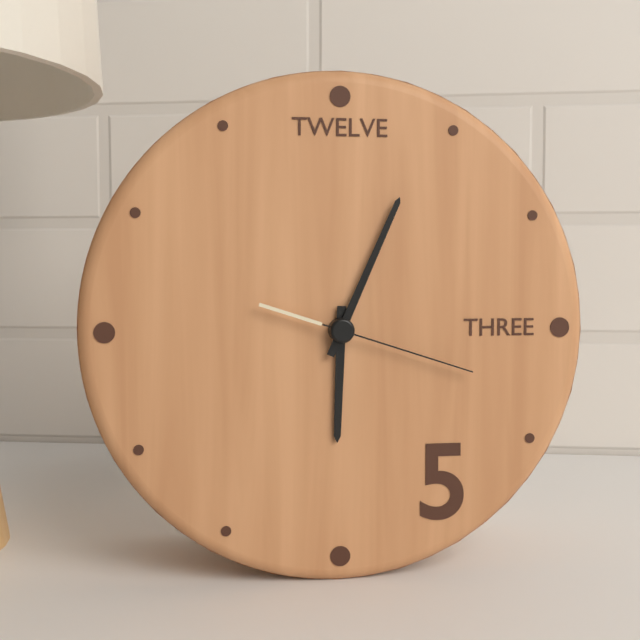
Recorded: h=6 m=4 s=18
